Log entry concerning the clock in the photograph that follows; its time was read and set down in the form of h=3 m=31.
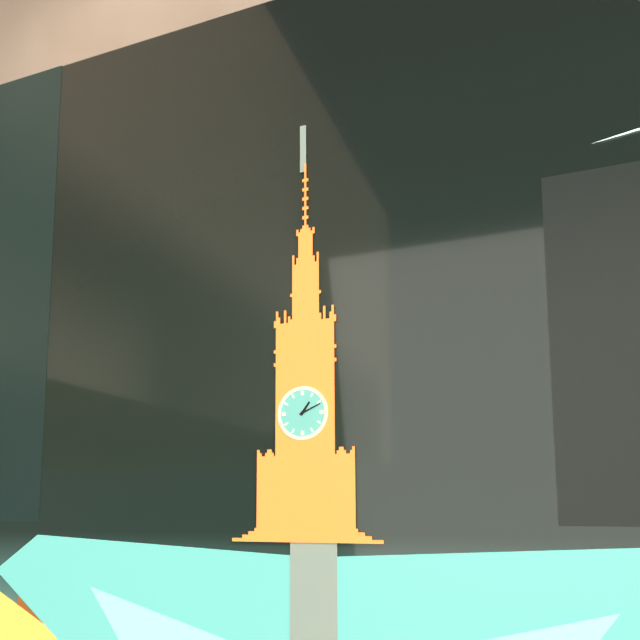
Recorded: h=1 m=11
